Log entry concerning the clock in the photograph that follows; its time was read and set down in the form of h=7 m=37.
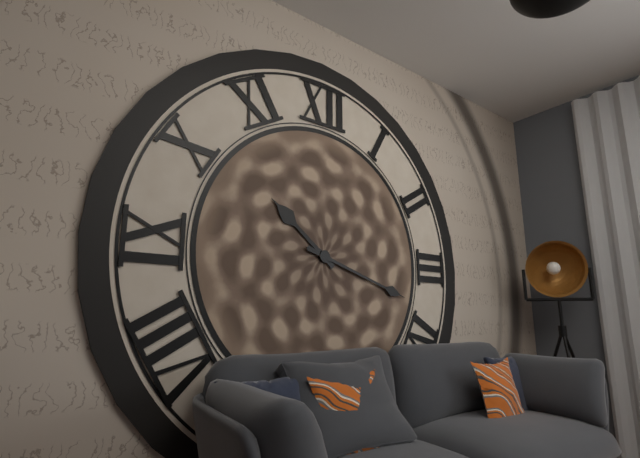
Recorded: h=10 m=18
